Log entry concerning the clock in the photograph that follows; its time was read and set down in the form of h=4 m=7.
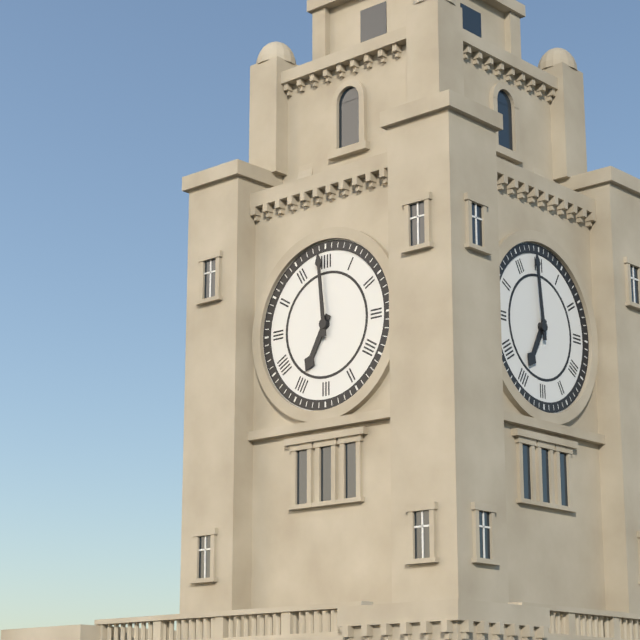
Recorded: h=6 m=59
